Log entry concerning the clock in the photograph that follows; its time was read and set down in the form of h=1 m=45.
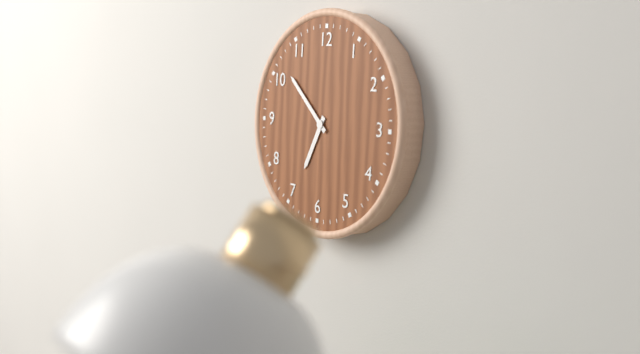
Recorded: h=6 m=52
